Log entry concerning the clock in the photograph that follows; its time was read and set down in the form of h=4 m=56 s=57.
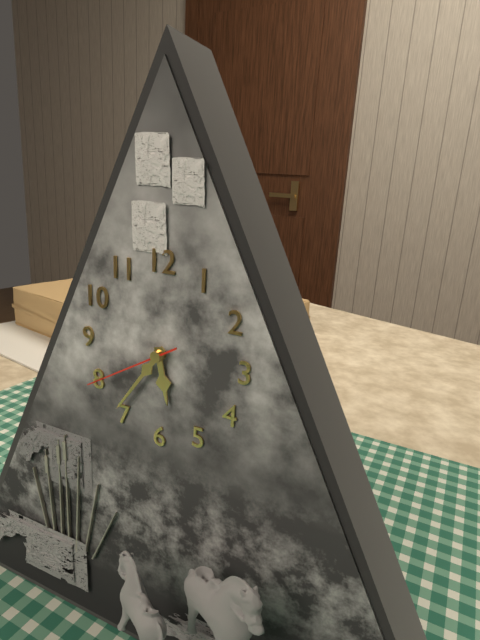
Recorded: h=5 m=36 s=40
